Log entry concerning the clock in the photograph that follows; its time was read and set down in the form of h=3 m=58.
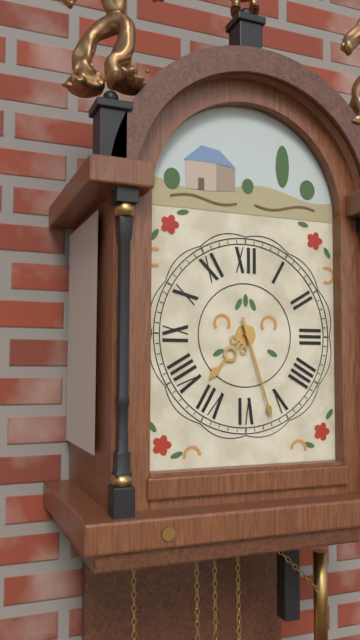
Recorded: h=7 m=27
